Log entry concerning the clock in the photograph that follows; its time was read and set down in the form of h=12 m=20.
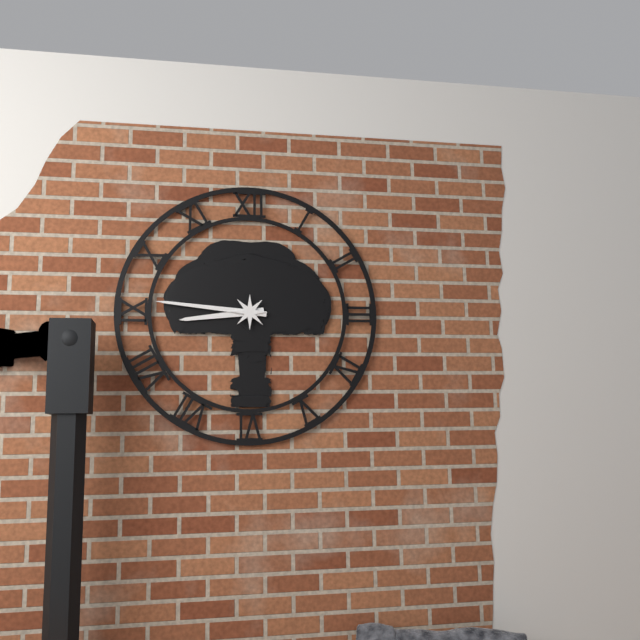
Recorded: h=8 m=46
